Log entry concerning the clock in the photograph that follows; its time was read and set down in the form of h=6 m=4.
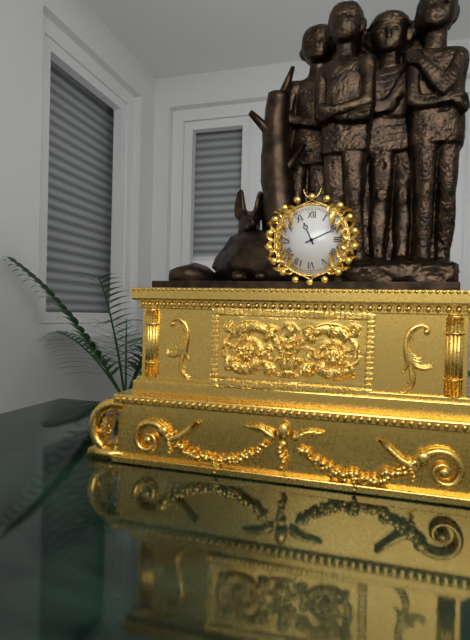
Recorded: h=11 m=11
